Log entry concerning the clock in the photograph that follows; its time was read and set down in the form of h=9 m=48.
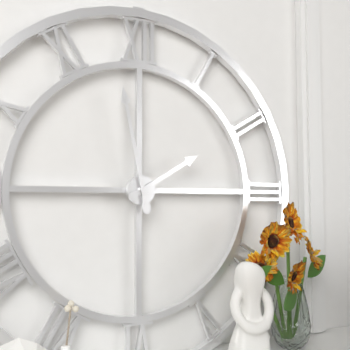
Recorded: h=1 m=58
